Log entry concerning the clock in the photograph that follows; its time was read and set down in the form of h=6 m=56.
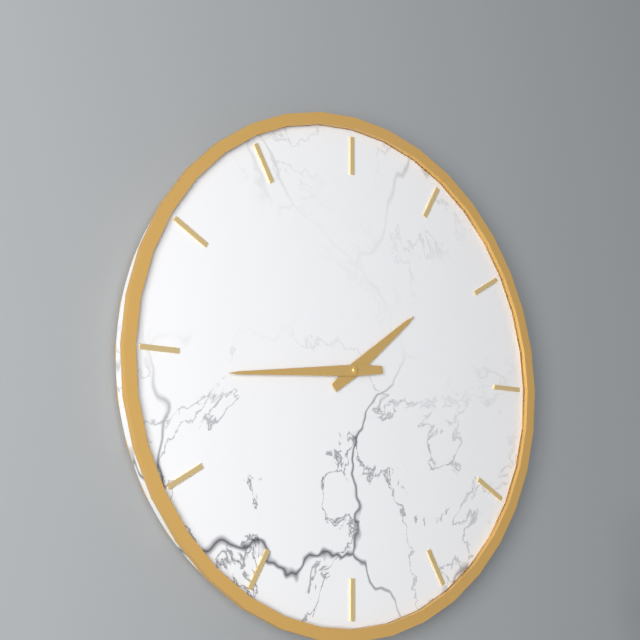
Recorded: h=1 m=44
